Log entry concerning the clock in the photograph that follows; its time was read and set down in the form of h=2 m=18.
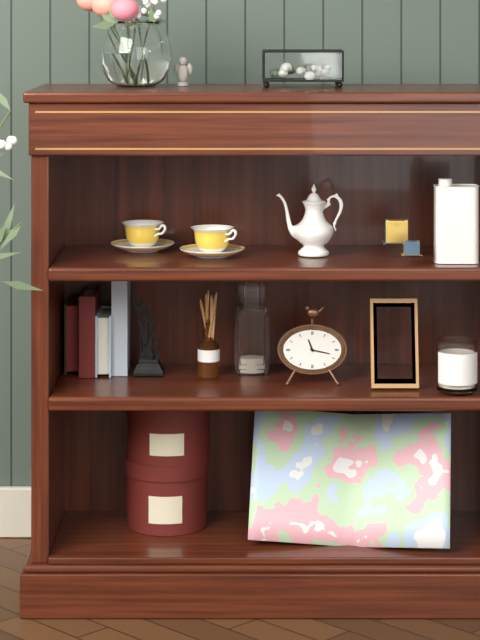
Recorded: h=11 m=17
